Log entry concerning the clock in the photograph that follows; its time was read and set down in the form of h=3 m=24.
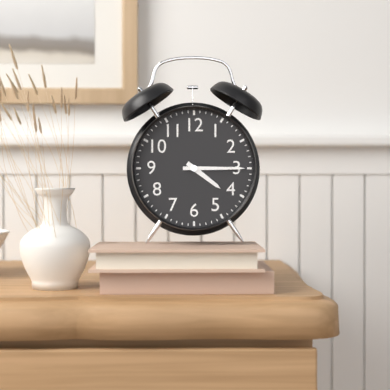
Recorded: h=4 m=15
